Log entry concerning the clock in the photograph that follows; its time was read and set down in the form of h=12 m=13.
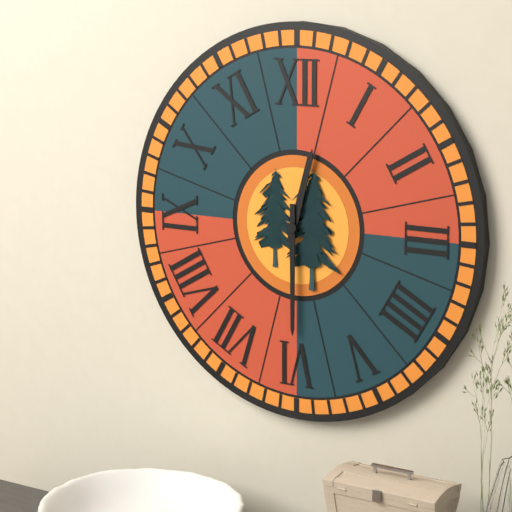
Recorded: h=12 m=30
